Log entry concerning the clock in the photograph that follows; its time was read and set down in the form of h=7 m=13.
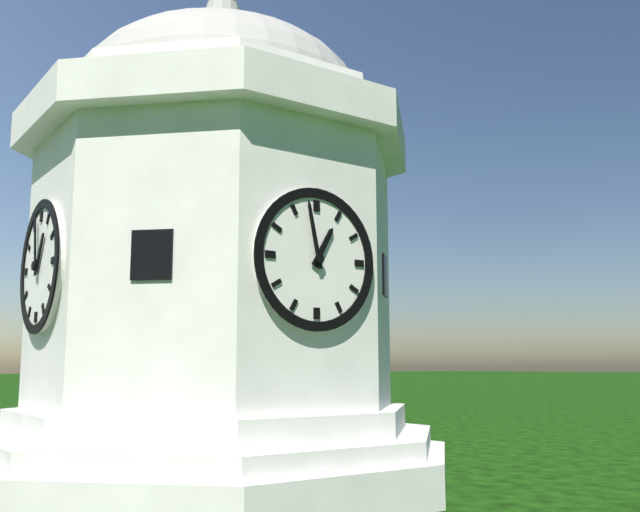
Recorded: h=12 m=58
